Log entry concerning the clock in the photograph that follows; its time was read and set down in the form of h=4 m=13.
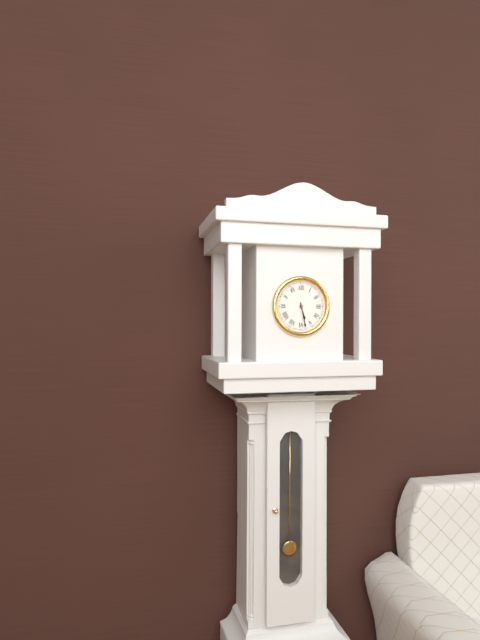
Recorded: h=5 m=28
